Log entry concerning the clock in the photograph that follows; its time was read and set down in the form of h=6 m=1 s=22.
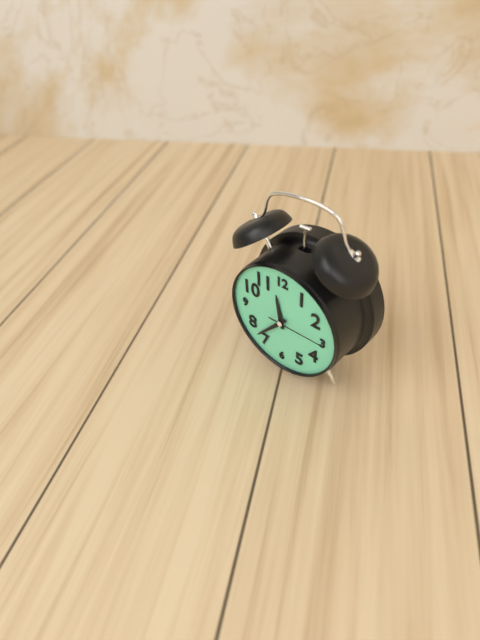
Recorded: h=11 m=37 s=15
